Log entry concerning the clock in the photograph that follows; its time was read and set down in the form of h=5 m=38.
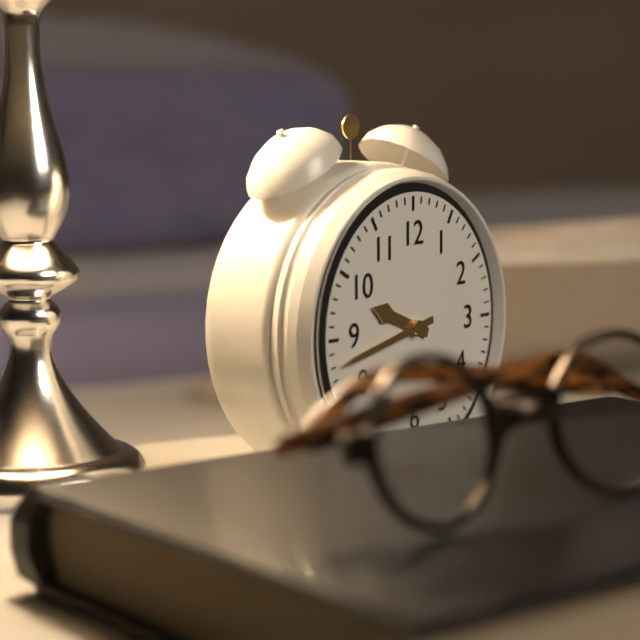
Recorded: h=9 m=43
